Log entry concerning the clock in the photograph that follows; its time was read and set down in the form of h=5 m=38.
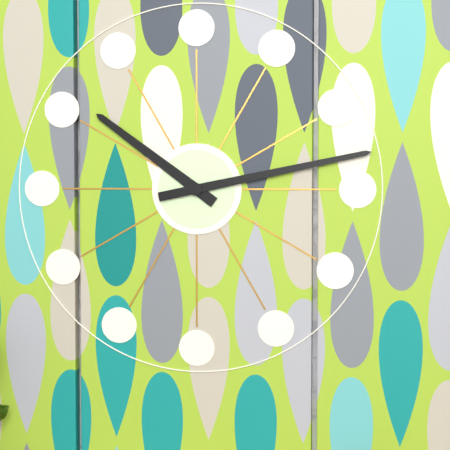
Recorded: h=10 m=13
